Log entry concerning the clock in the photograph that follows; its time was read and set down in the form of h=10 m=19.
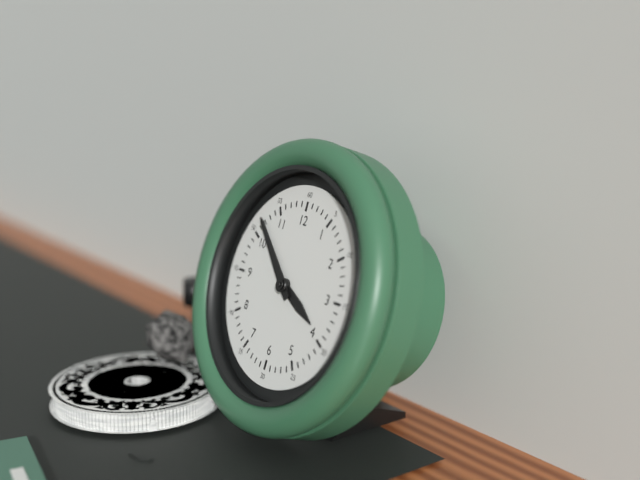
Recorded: h=3 m=52
